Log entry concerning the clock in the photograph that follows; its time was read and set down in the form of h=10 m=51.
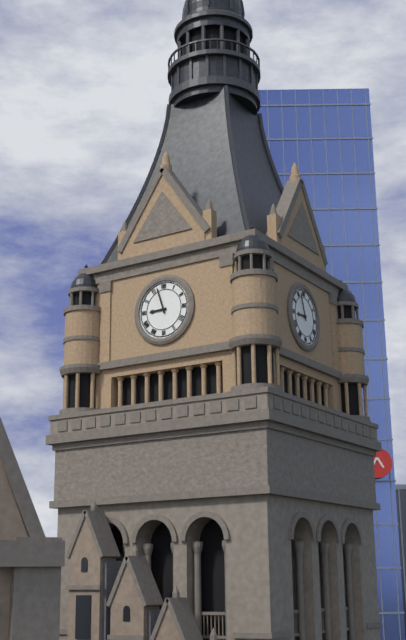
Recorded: h=8 m=57
